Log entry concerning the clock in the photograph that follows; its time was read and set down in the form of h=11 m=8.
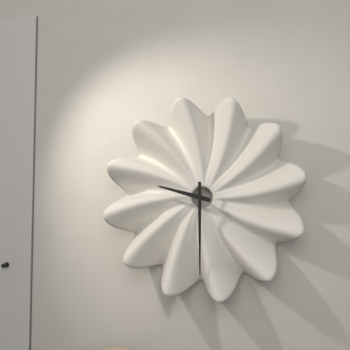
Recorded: h=9 m=30
